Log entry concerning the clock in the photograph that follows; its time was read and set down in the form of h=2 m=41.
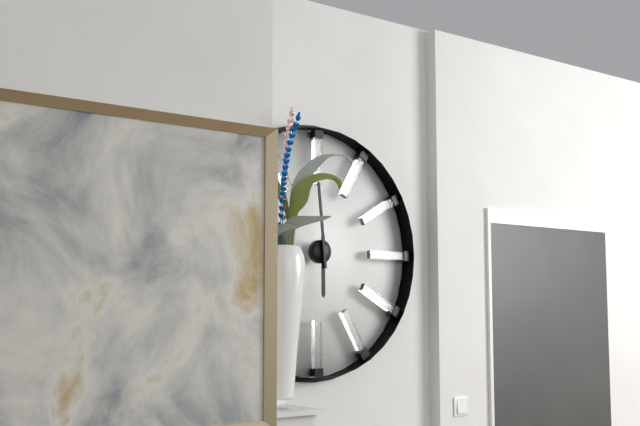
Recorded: h=5 m=59
